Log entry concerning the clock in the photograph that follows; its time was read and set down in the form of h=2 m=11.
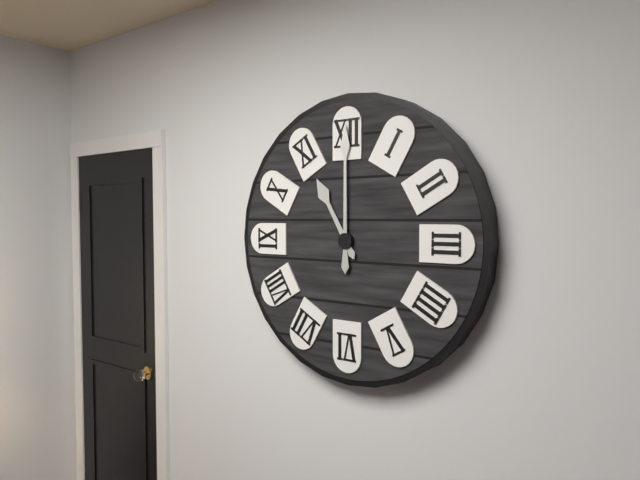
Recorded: h=11 m=0
